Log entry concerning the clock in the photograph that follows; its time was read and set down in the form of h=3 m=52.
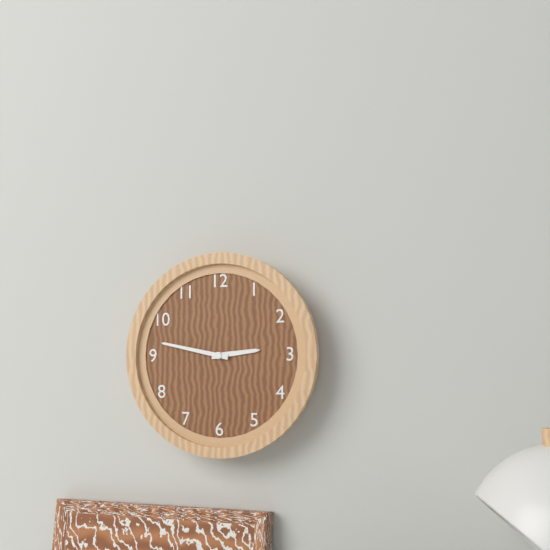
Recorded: h=2 m=47
